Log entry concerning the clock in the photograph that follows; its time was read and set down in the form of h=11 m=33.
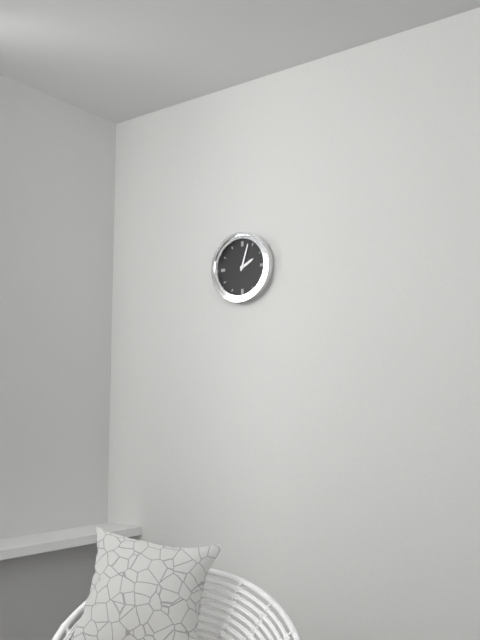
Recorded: h=2 m=3
